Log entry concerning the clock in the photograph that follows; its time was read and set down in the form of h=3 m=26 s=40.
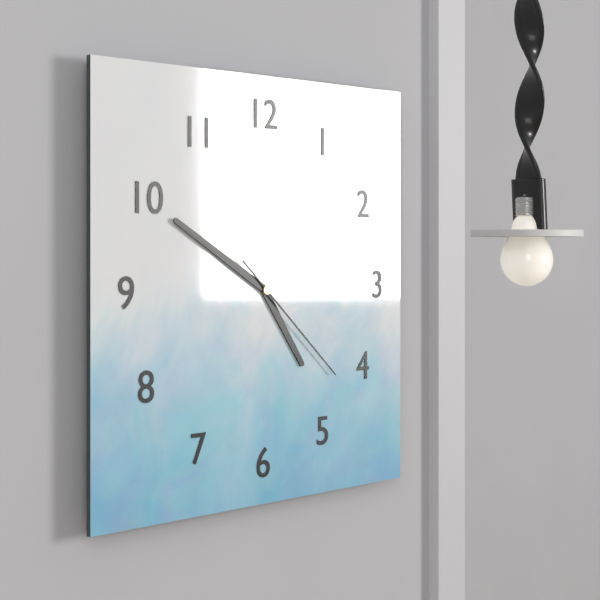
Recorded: h=4 m=50 s=22
